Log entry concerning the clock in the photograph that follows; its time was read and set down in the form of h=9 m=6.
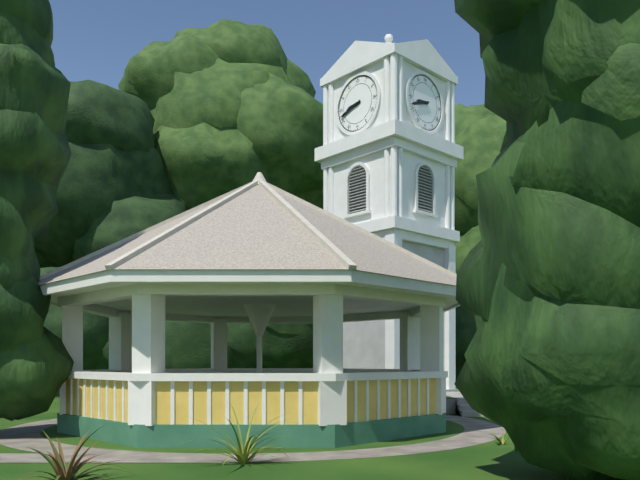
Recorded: h=8 m=42
